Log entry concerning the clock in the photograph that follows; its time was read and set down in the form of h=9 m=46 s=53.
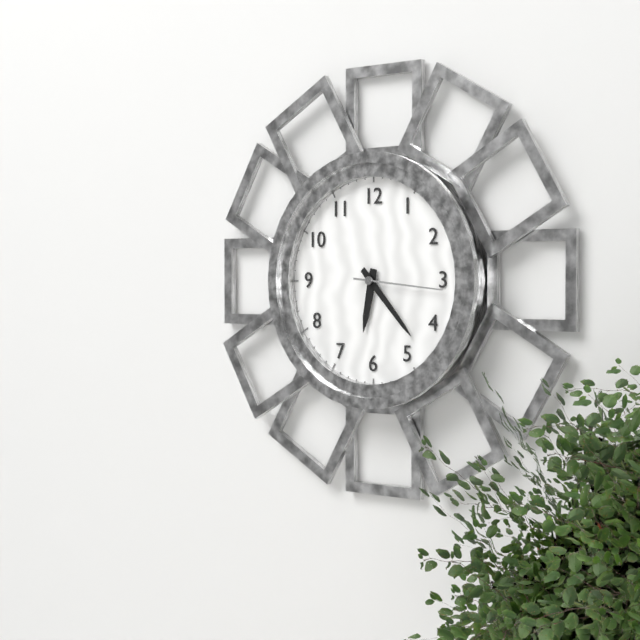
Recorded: h=6 m=23 s=16
